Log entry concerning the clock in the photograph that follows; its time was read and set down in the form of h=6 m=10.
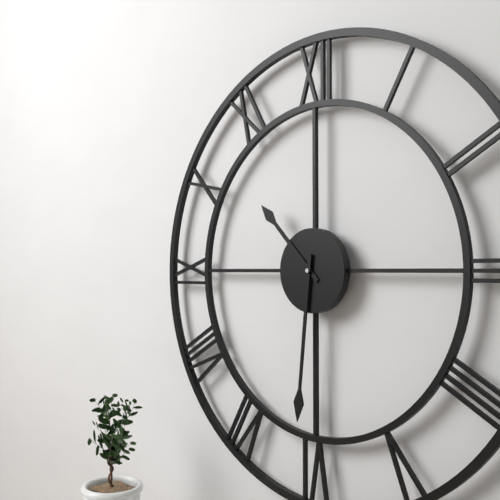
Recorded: h=10 m=31
